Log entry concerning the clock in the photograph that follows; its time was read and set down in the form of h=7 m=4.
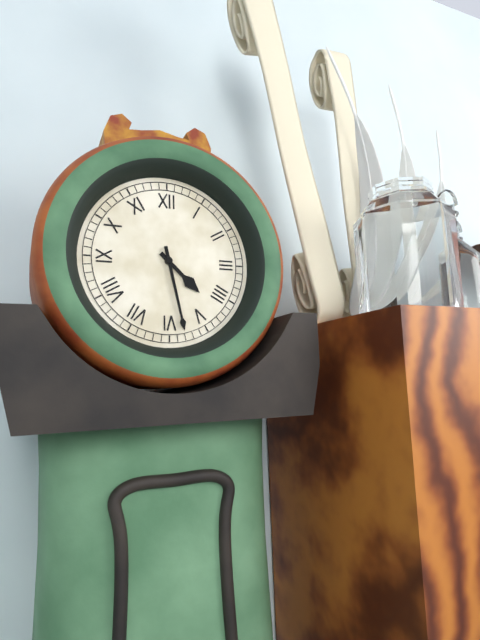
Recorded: h=4 m=28
